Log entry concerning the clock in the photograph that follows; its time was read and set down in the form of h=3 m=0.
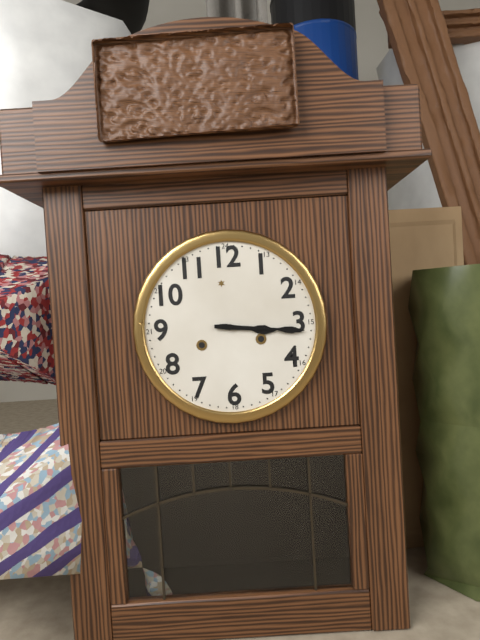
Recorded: h=3 m=16
